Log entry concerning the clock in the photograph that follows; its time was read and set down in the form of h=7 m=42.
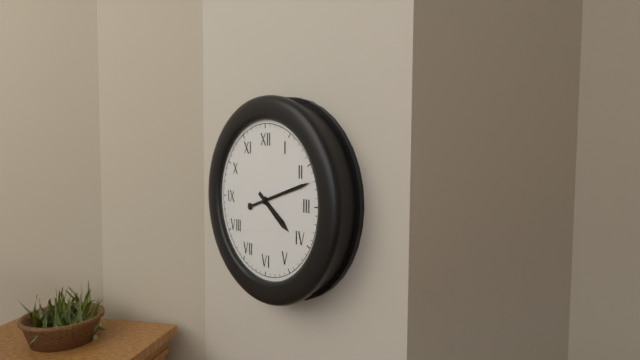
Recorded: h=4 m=12
